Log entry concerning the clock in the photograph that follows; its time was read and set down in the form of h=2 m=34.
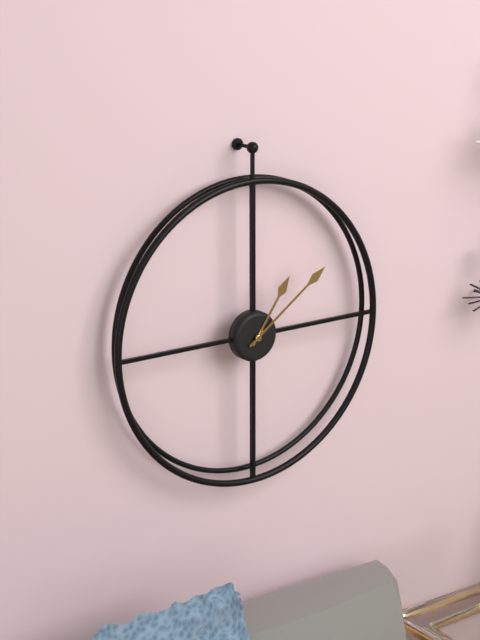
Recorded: h=1 m=9
